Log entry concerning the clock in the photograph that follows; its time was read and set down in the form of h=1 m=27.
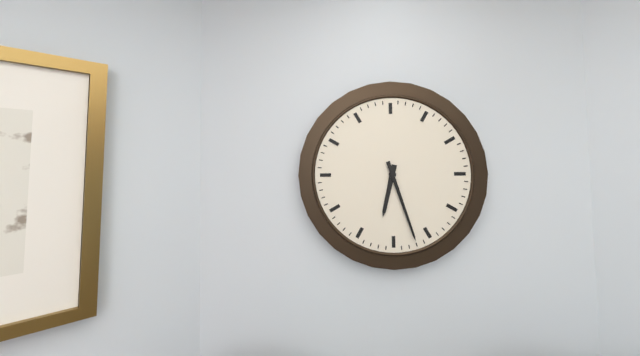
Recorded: h=6 m=27
